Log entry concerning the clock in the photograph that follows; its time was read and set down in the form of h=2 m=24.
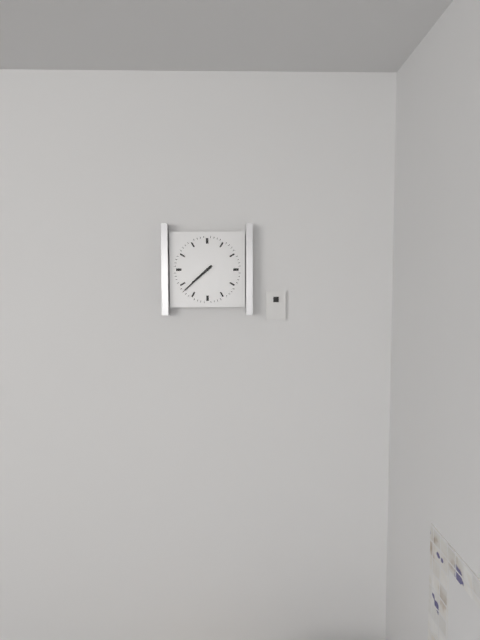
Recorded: h=7 m=38
